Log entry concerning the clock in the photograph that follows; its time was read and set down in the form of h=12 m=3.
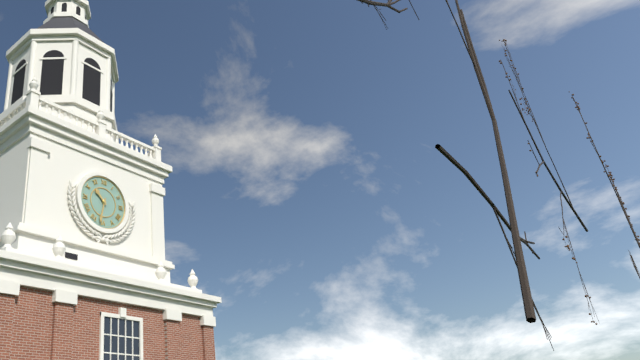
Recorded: h=10 m=32
